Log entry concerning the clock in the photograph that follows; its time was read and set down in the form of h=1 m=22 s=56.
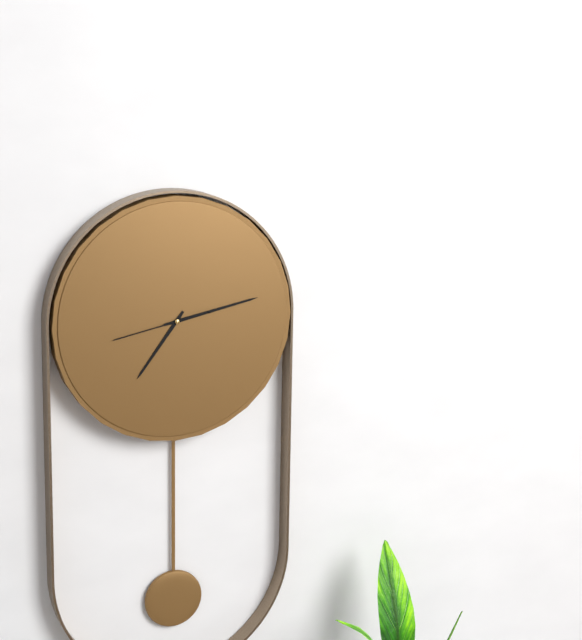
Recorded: h=7 m=13 s=43
